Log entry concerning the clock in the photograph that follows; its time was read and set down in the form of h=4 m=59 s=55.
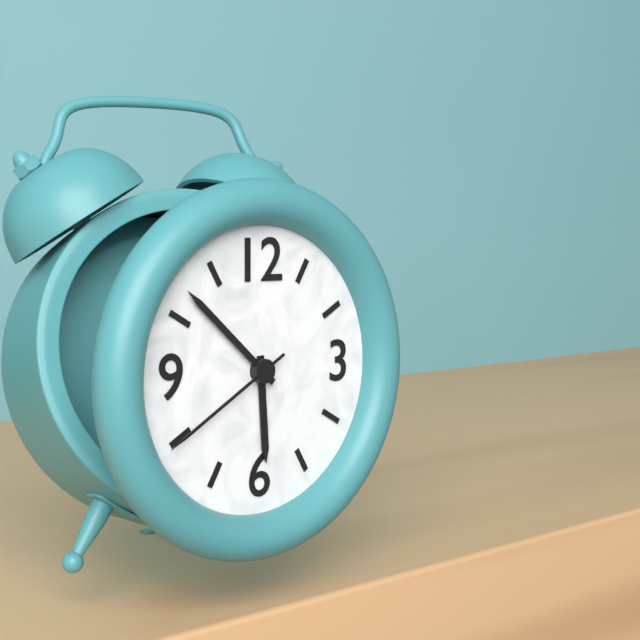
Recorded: h=5 m=52 s=40
